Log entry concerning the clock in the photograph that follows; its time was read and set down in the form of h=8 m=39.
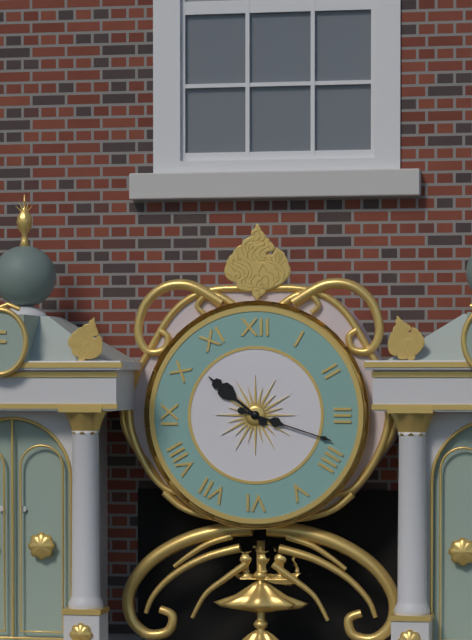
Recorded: h=10 m=18
